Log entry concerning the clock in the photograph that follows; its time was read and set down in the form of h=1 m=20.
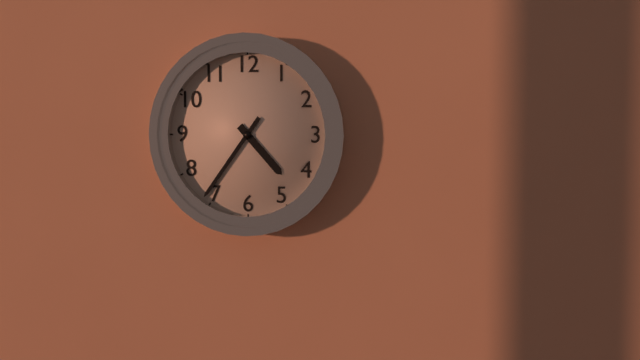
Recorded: h=4 m=36
